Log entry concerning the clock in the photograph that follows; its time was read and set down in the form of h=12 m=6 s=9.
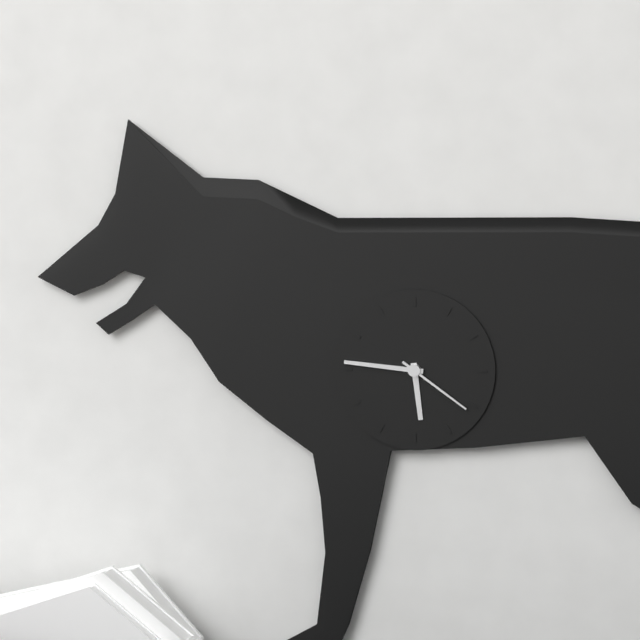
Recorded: h=5 m=46 s=21
